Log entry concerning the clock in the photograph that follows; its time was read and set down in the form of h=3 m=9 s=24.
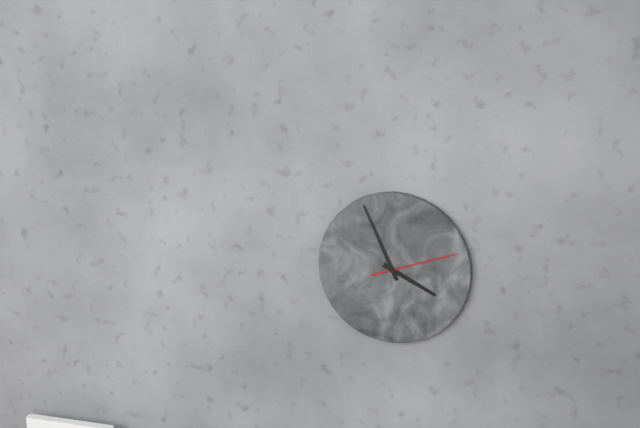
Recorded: h=3 m=56 s=12
